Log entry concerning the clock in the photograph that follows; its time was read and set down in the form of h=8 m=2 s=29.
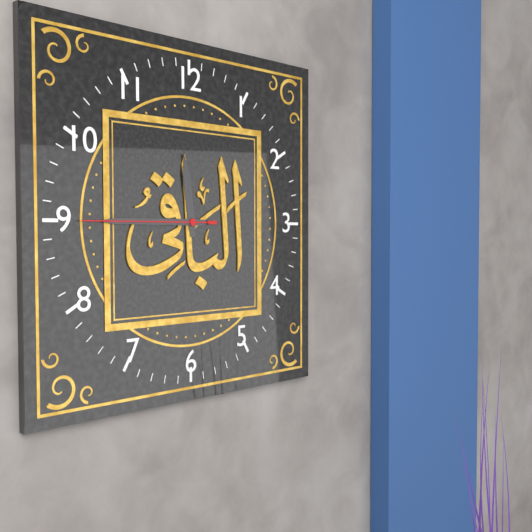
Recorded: h=11 m=45 s=45
